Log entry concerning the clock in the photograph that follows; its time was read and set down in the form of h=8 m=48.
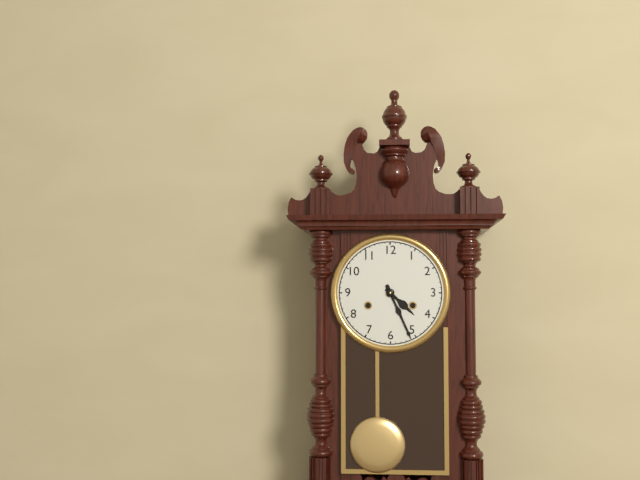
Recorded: h=4 m=26
